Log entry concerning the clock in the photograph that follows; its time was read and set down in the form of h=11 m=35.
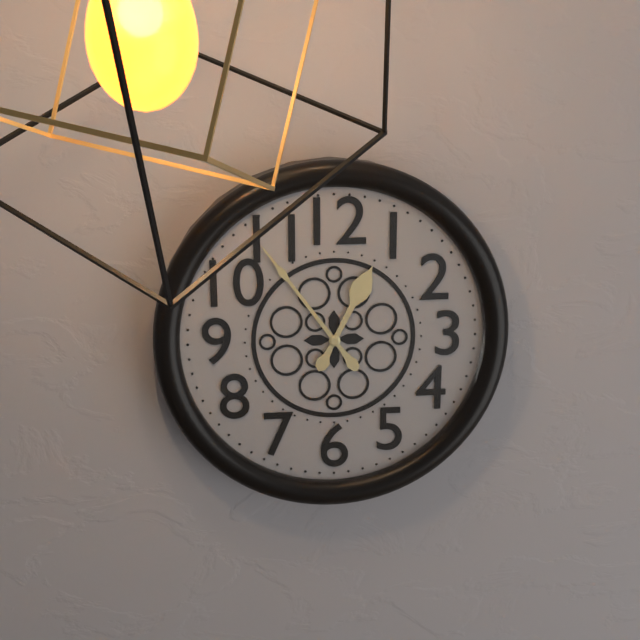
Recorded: h=12 m=54
